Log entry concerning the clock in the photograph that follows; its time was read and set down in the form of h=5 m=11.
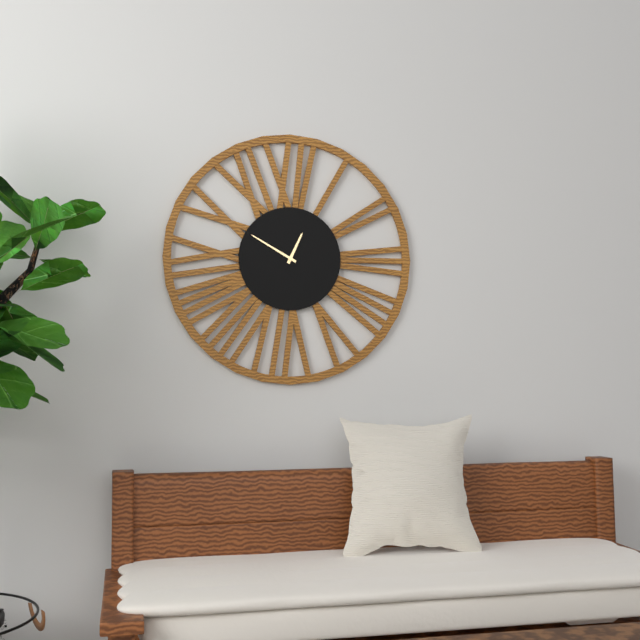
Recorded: h=12 m=50
